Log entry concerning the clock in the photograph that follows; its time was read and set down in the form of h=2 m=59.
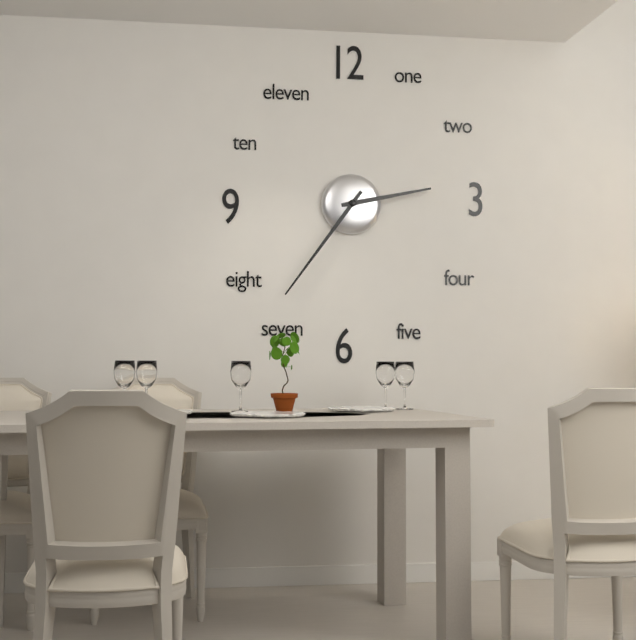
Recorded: h=2 m=36
